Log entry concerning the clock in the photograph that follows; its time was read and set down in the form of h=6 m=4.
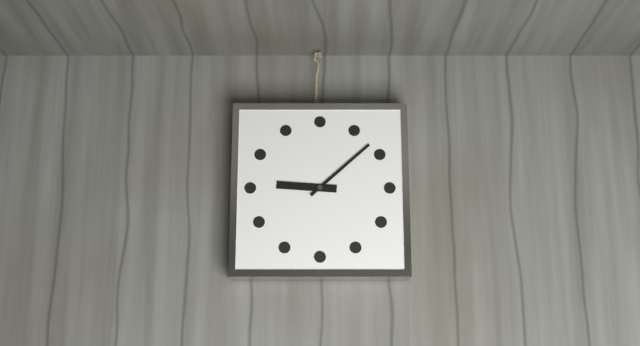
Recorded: h=9 m=8
